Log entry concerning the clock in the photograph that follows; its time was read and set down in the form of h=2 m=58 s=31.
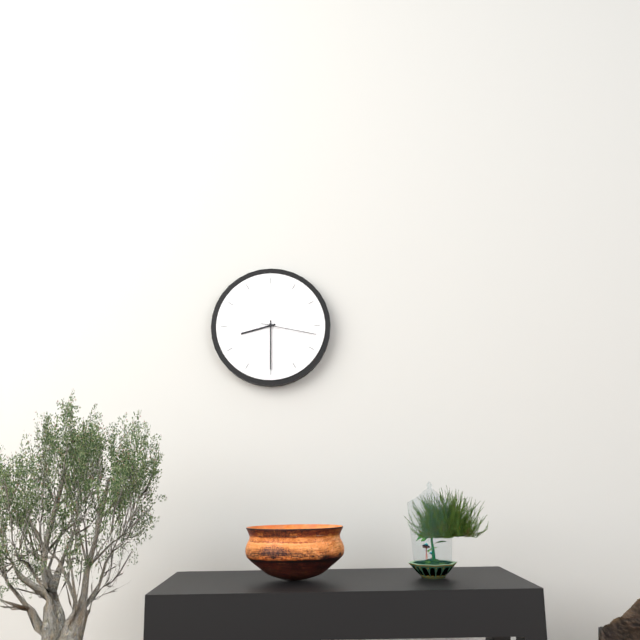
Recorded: h=8 m=30 s=17
